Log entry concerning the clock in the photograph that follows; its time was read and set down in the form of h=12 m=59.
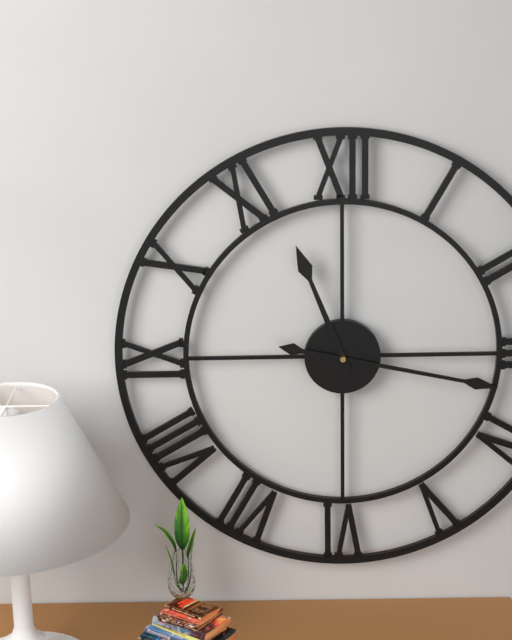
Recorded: h=11 m=17
